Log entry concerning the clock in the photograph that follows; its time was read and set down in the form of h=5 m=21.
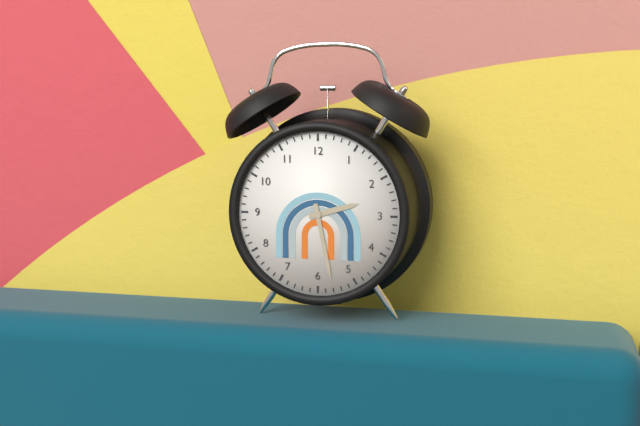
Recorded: h=2 m=28
